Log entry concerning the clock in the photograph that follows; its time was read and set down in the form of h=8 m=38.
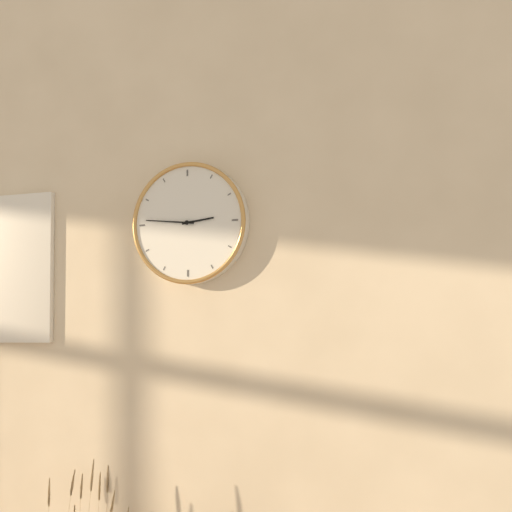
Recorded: h=2 m=46
